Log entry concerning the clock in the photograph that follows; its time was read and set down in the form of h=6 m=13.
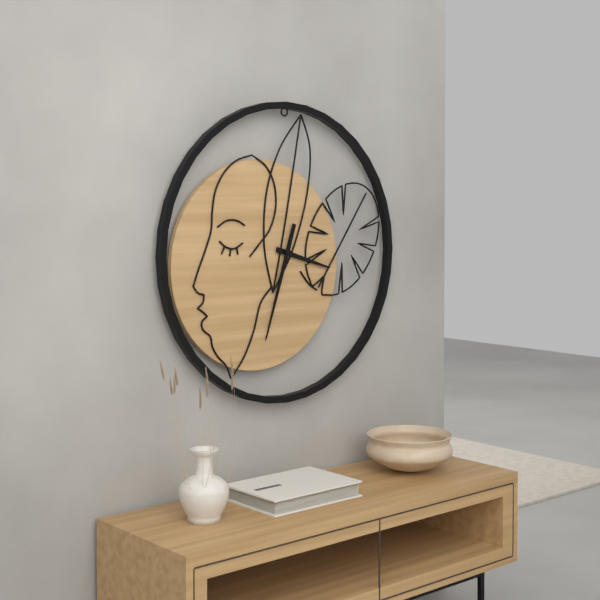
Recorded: h=3 m=33
